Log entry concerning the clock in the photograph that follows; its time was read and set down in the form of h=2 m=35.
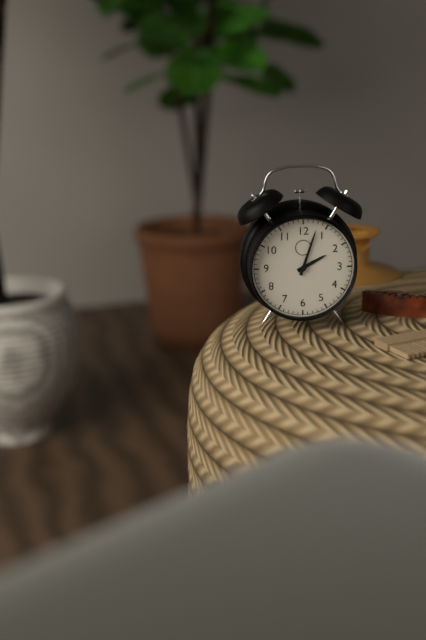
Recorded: h=2 m=3
